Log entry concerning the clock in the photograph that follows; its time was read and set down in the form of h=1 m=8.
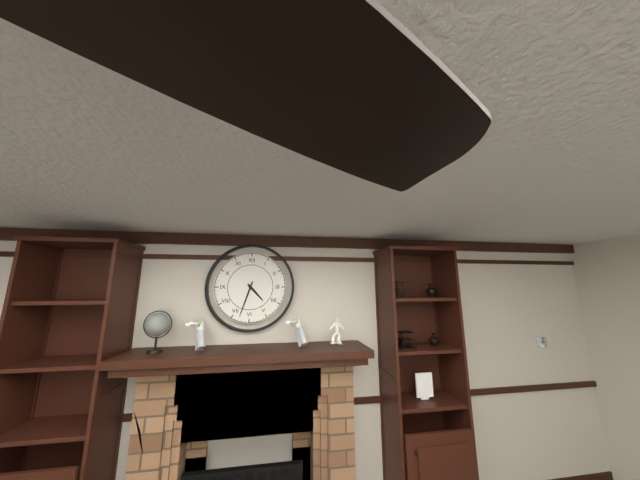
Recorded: h=4 m=33
